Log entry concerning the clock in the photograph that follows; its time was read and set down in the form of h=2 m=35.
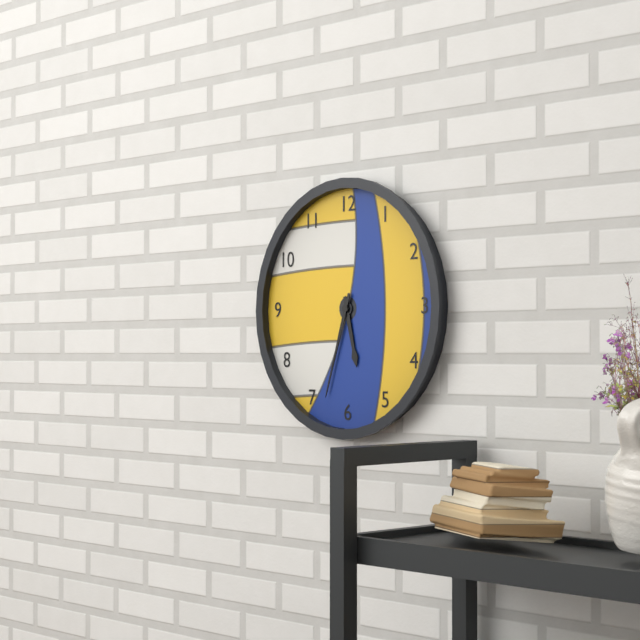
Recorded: h=5 m=33
